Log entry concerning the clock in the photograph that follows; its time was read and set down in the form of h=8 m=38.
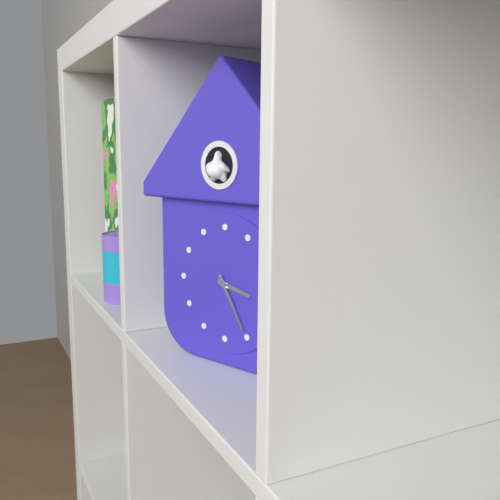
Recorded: h=3 m=25
